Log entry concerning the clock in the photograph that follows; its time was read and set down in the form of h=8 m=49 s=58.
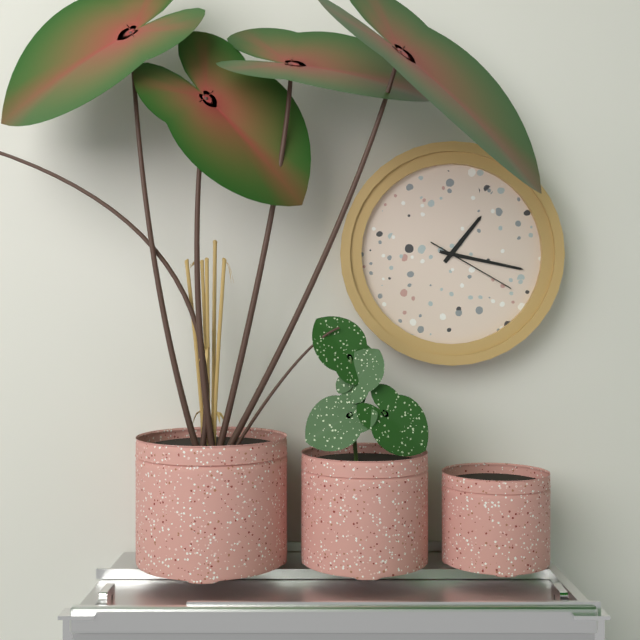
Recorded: h=1 m=17 s=20
